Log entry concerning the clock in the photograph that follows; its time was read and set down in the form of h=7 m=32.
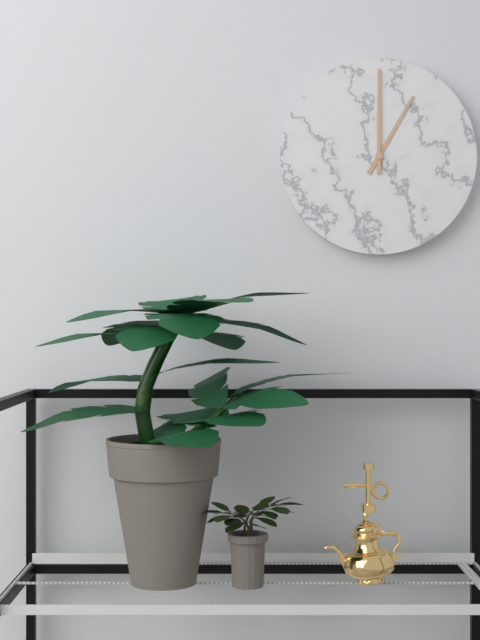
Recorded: h=1 m=0
